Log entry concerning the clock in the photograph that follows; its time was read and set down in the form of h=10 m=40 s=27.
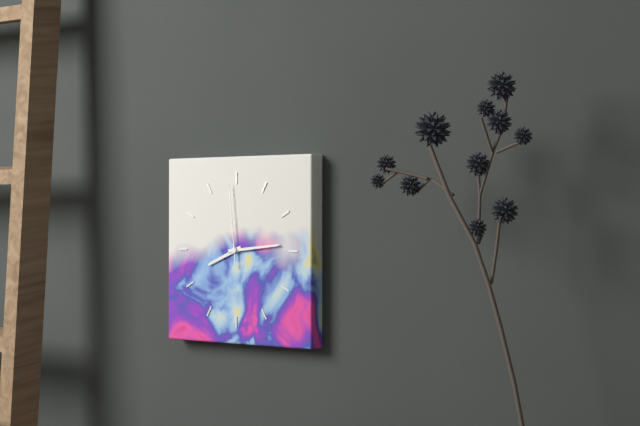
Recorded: h=8 m=14 s=59
